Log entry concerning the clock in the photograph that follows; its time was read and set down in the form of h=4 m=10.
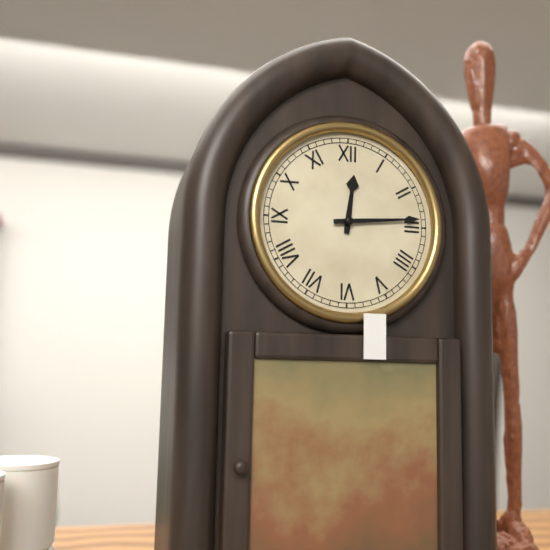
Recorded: h=12 m=14
